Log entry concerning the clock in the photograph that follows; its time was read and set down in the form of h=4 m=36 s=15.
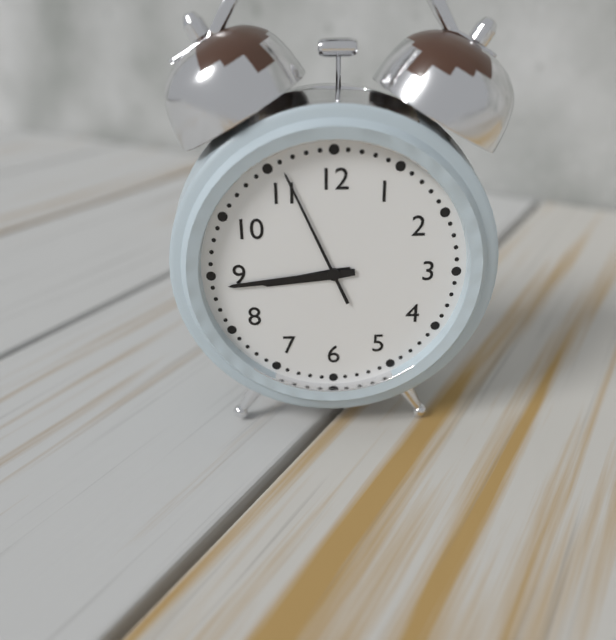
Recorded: h=8 m=44 s=56
